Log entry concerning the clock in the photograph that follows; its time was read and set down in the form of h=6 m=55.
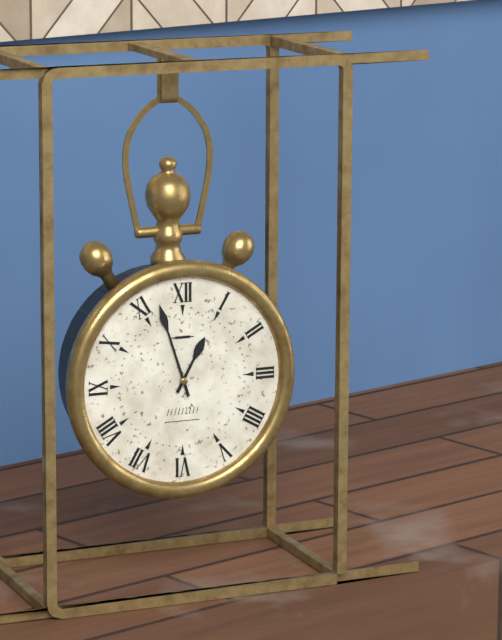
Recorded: h=12 m=57
